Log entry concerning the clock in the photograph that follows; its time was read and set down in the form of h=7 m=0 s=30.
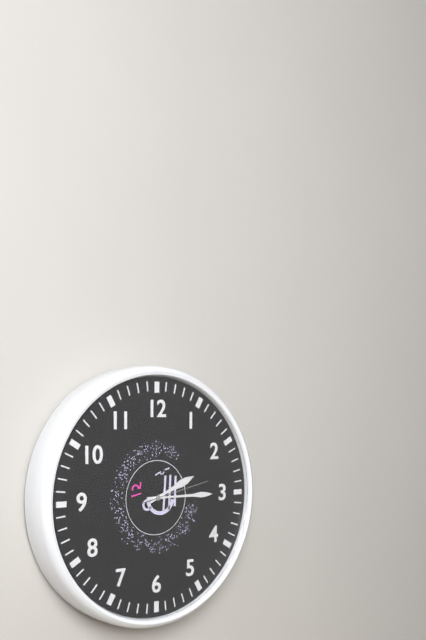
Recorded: h=2 m=15 s=13
